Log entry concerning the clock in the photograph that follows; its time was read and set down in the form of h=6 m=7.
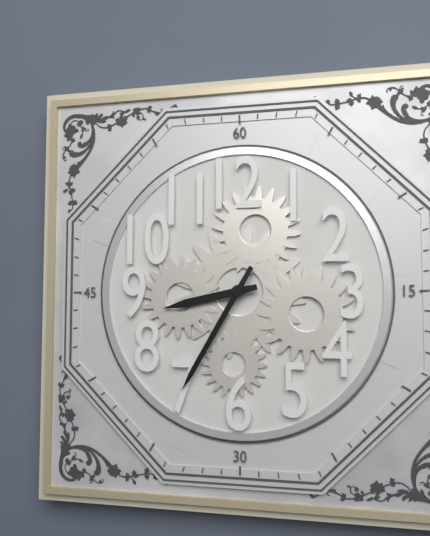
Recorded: h=8 m=35
